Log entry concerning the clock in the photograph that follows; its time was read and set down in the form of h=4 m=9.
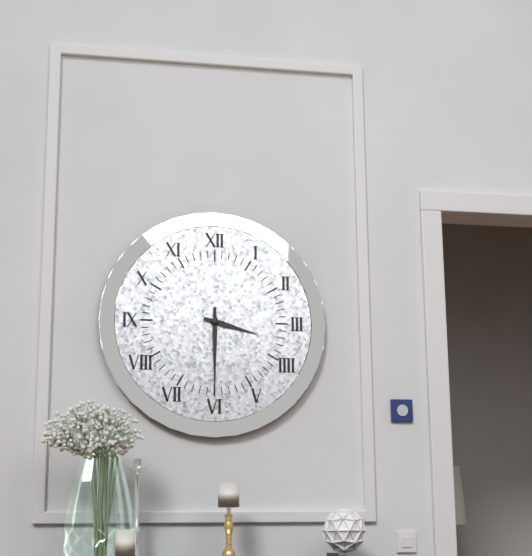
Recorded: h=3 m=30
